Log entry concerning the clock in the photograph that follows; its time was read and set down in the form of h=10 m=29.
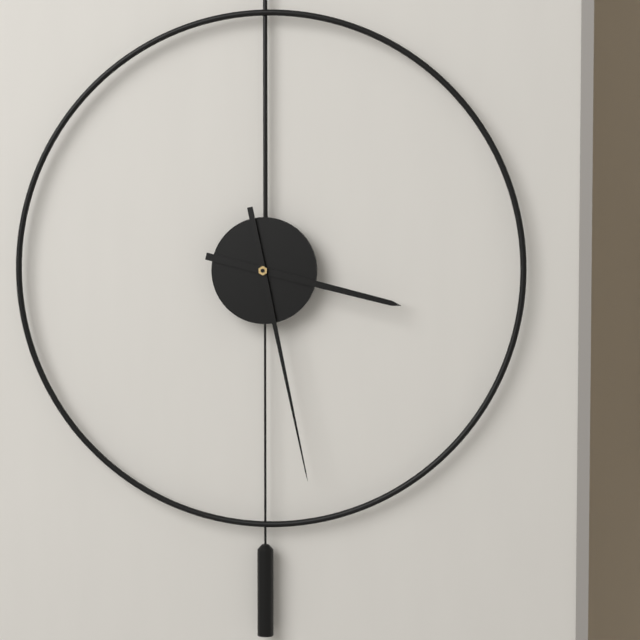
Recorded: h=3 m=28
